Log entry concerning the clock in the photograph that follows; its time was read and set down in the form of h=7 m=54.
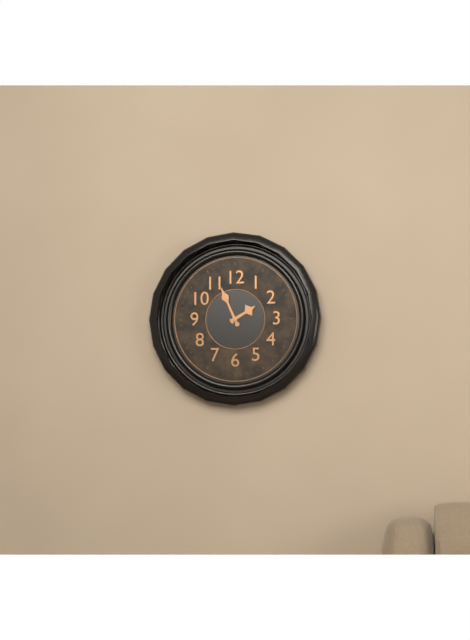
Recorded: h=1 m=56
